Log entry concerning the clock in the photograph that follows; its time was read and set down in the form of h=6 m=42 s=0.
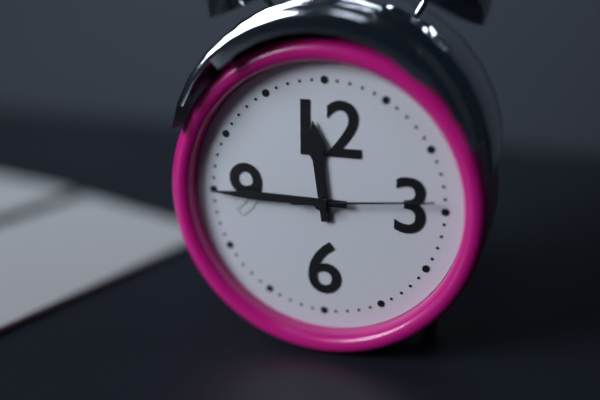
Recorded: h=11 m=45 s=14
